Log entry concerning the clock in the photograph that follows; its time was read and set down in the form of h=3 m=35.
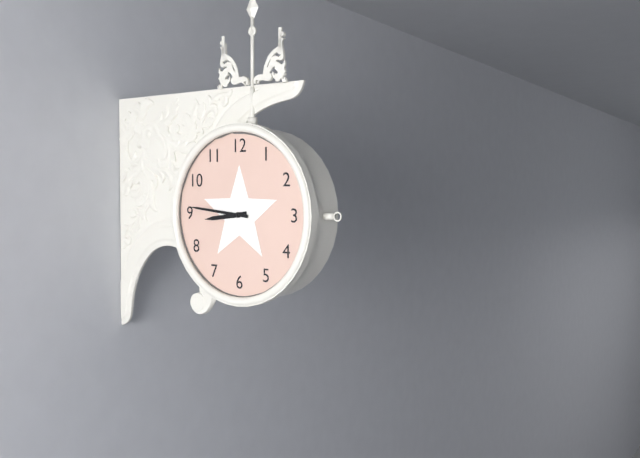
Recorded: h=8 m=46
